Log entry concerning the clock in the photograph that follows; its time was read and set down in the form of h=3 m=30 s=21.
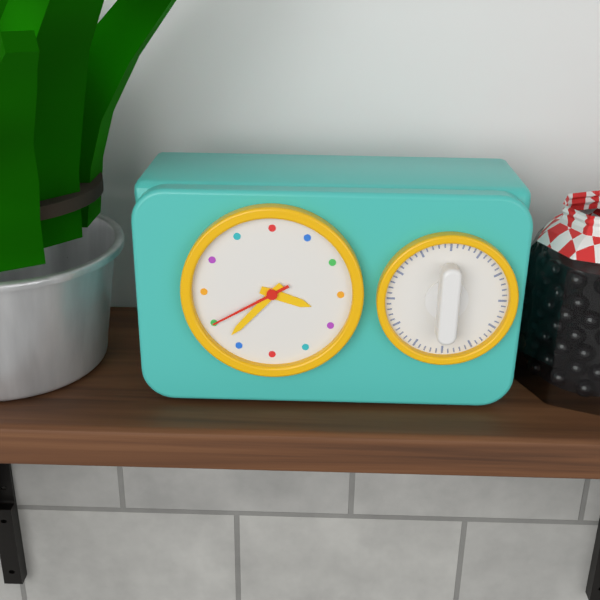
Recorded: h=3 m=37 s=40
